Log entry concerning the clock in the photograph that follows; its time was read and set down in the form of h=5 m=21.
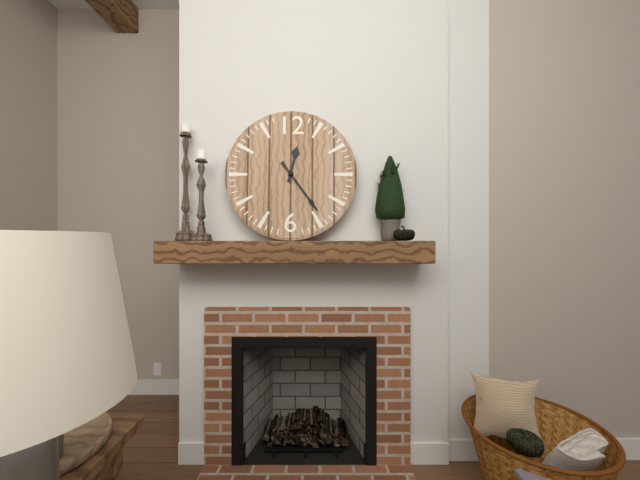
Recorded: h=12 m=24
